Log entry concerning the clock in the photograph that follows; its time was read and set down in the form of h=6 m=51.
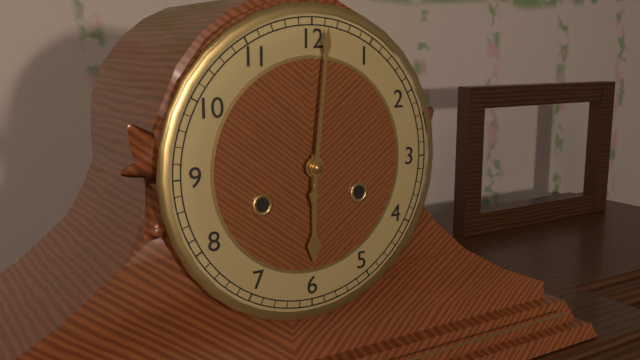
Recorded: h=6 m=1
